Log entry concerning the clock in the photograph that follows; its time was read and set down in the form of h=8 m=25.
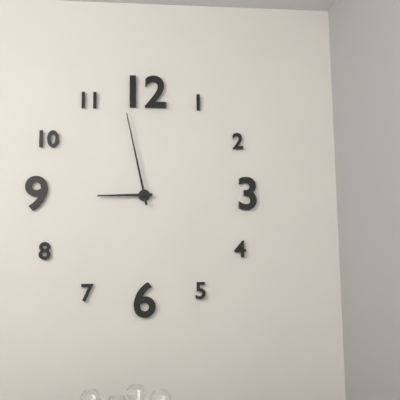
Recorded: h=8 m=58
